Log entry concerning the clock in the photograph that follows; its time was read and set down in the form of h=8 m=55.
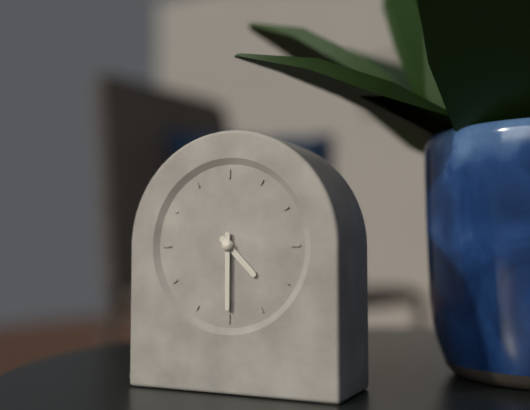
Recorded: h=4 m=30
